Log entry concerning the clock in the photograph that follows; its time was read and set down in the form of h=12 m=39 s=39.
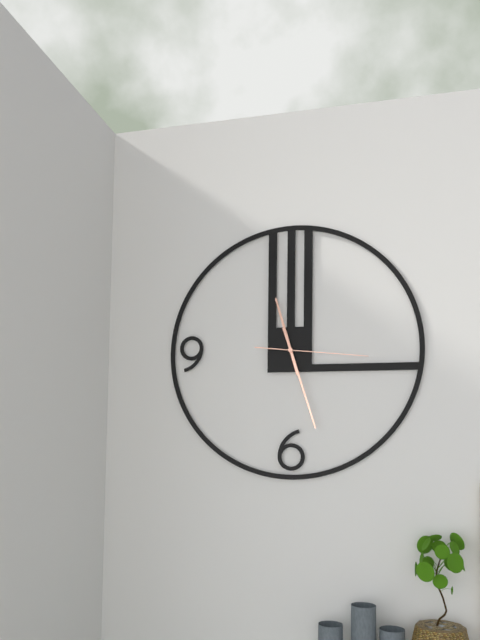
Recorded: h=11 m=27 s=16
